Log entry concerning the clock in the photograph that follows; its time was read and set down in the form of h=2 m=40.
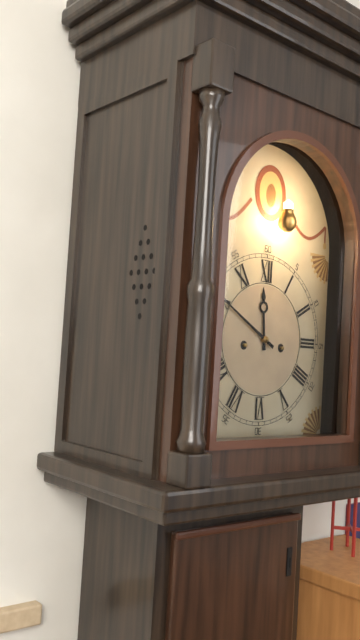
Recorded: h=11 m=50
